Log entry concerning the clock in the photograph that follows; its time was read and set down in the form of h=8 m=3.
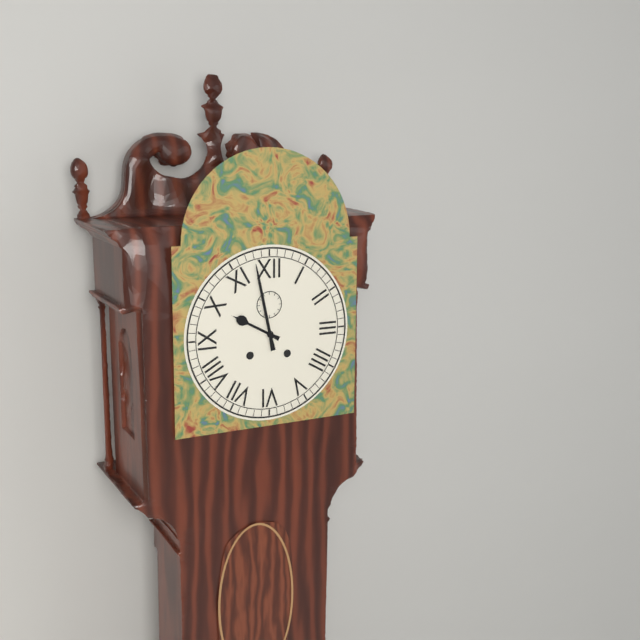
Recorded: h=9 m=58
